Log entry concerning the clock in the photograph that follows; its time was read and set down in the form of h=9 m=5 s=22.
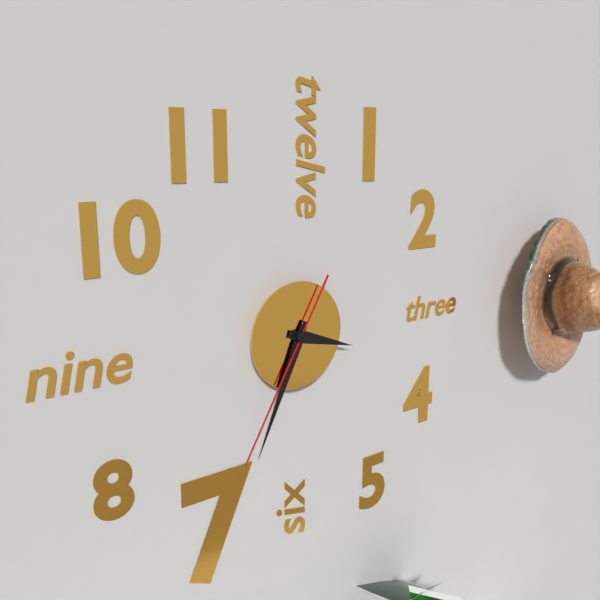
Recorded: h=3 m=34 s=35
